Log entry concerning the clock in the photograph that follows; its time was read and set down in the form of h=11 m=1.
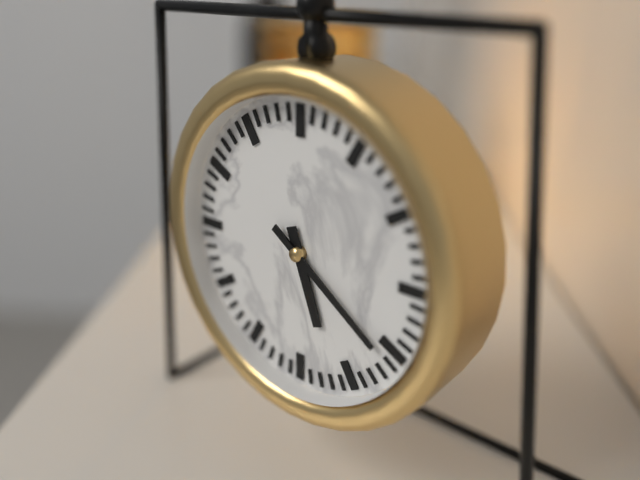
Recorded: h=5 m=21
